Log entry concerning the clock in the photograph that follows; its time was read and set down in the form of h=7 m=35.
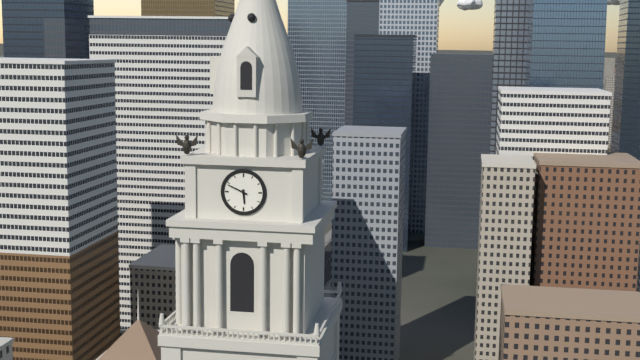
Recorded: h=5 m=49
